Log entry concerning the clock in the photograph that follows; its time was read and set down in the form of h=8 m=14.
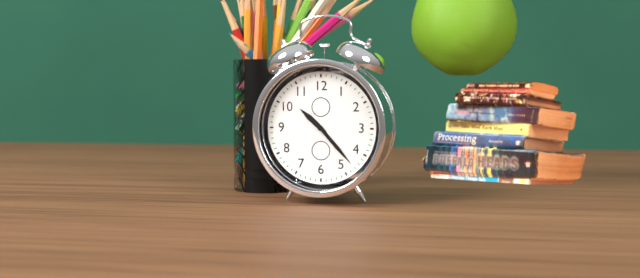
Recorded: h=10 m=23
